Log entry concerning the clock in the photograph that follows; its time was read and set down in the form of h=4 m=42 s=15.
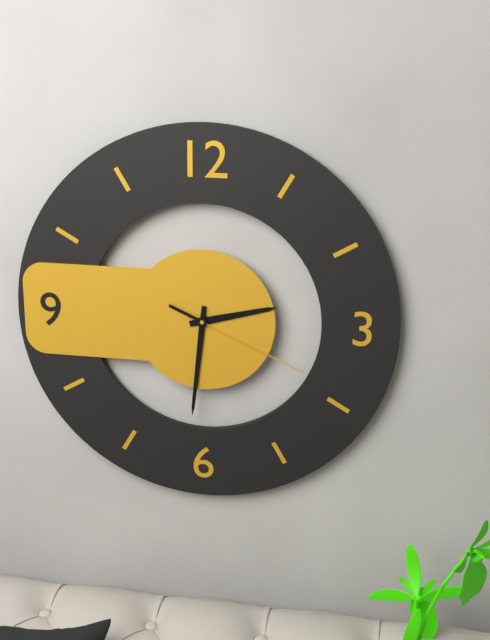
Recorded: h=2 m=31 s=19
